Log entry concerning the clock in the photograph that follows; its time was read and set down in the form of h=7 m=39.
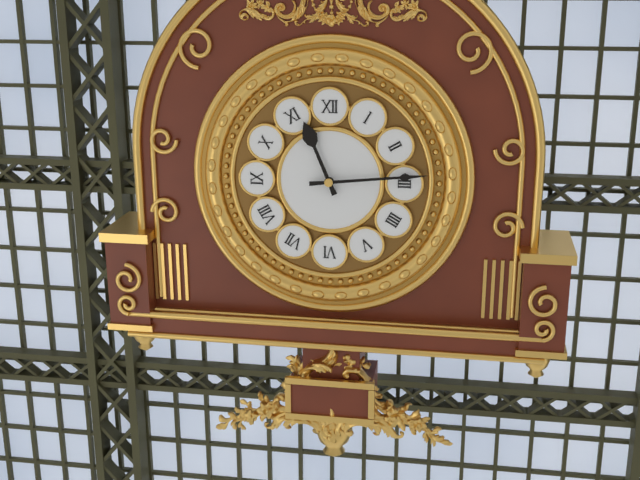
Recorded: h=11 m=14
